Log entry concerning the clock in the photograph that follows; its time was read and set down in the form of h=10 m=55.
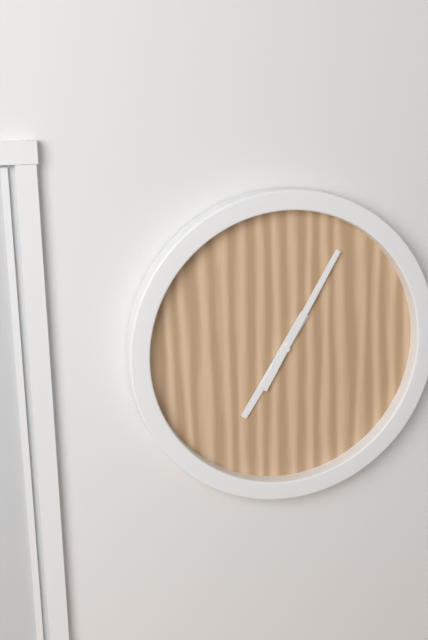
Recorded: h=7 m=5
